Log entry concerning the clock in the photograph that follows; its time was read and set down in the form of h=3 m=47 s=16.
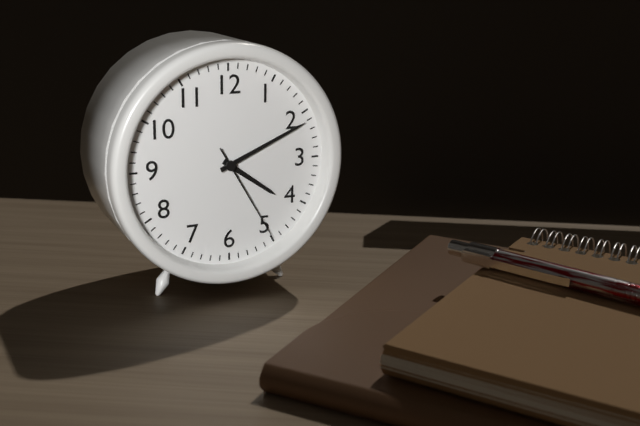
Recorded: h=4 m=11 s=25
